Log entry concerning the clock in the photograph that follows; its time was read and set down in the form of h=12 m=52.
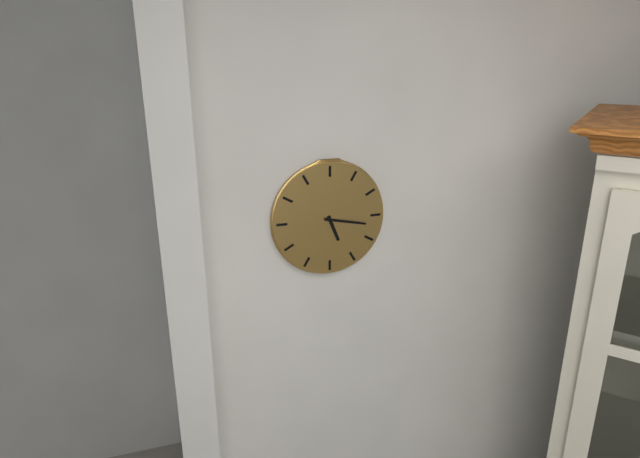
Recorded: h=5 m=17
